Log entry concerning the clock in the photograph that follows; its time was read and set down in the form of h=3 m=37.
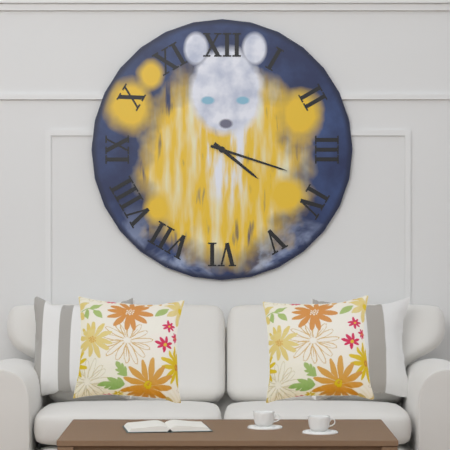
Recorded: h=4 m=18
